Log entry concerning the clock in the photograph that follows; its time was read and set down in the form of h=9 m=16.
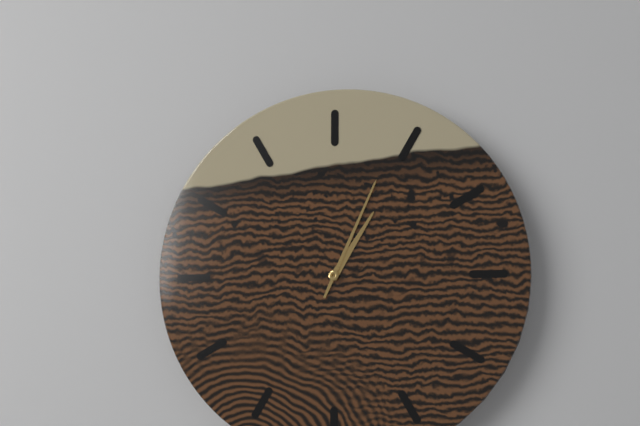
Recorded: h=1 m=4
